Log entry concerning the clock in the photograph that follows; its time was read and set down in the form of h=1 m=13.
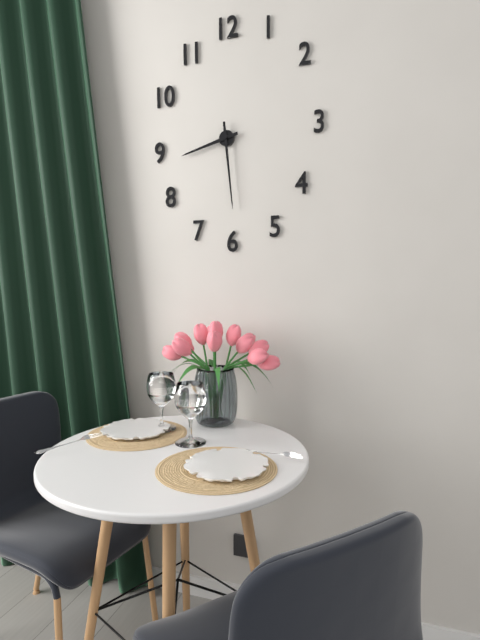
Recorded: h=8 m=29
